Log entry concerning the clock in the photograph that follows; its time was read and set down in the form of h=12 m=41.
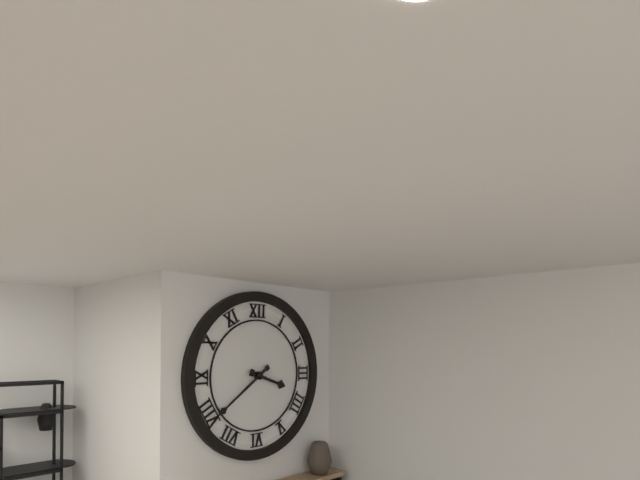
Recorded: h=3 m=39
